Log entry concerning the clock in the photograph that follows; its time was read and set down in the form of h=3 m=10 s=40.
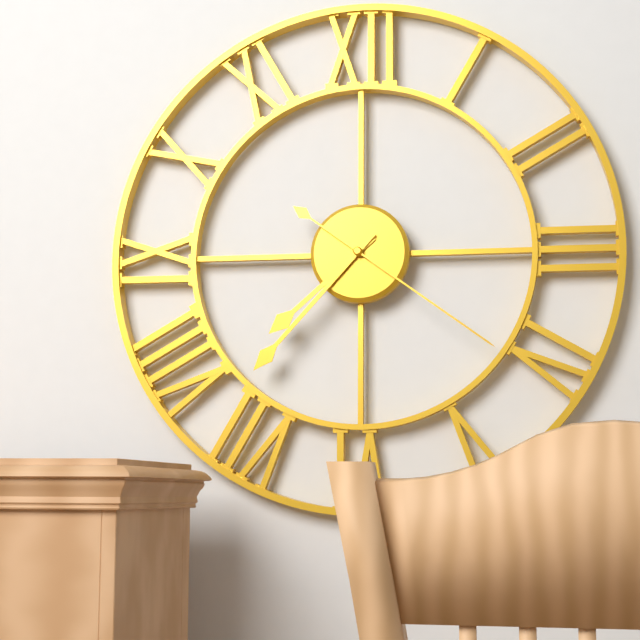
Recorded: h=7 m=37 s=21
